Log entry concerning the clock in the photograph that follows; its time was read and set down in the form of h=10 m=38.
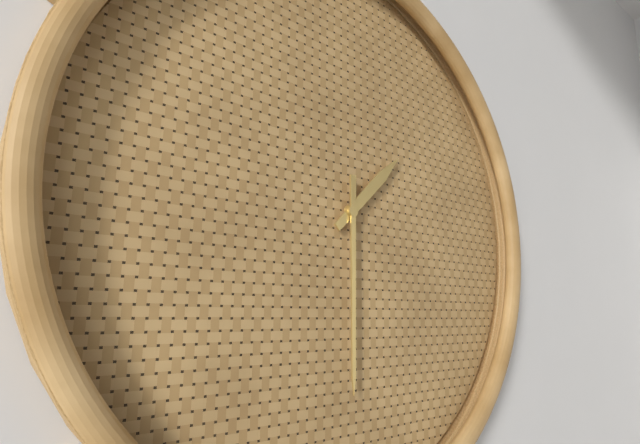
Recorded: h=1 m=30
